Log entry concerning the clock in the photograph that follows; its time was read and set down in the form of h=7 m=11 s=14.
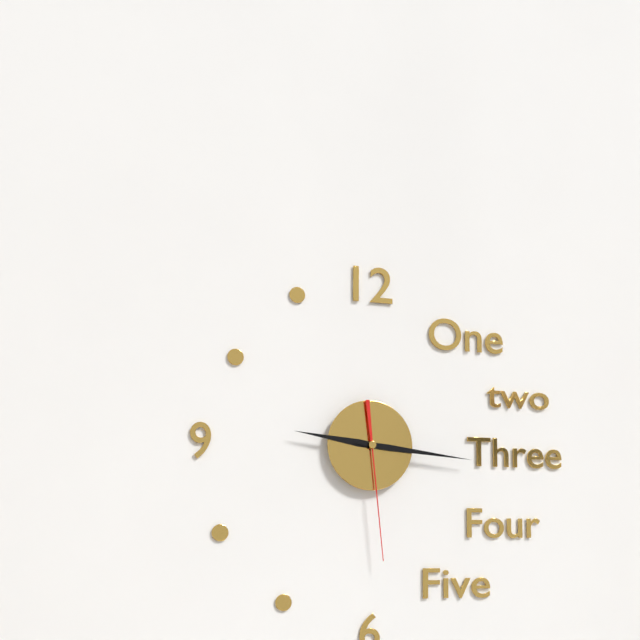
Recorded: h=9 m=16 s=29
